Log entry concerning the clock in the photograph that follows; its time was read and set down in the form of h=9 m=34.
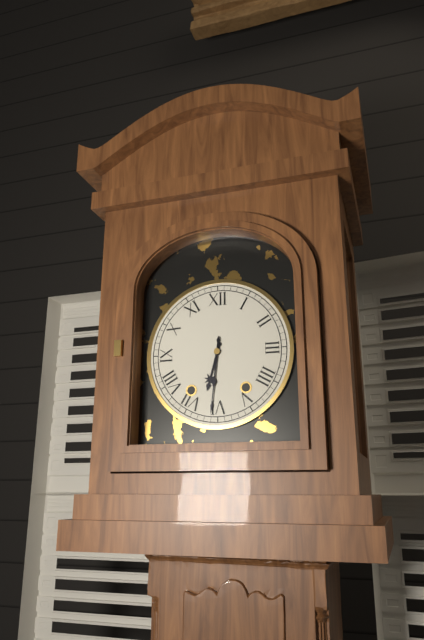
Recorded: h=6 m=31
